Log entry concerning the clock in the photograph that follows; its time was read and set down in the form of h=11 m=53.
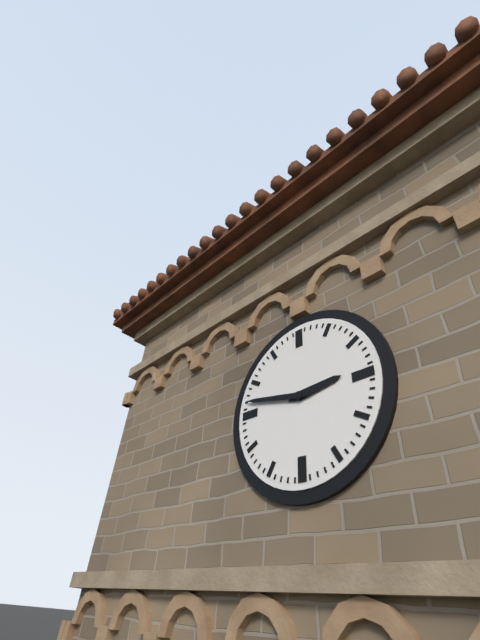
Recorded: h=2 m=47
